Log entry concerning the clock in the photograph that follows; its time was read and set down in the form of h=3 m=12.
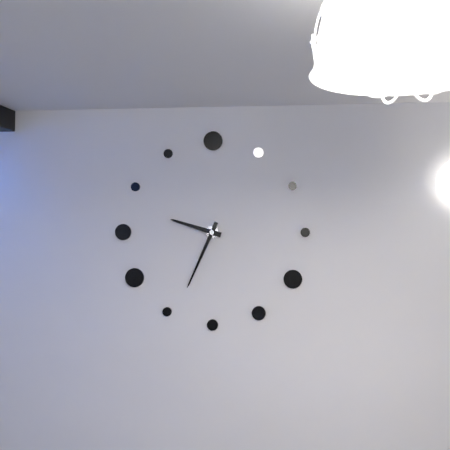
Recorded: h=9 m=34
